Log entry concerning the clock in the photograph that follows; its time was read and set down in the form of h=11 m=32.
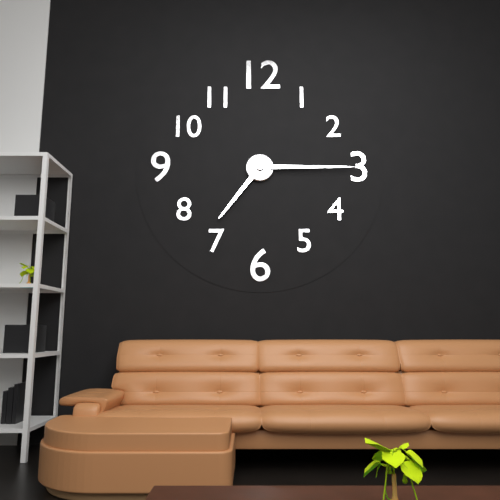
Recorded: h=7 m=15
